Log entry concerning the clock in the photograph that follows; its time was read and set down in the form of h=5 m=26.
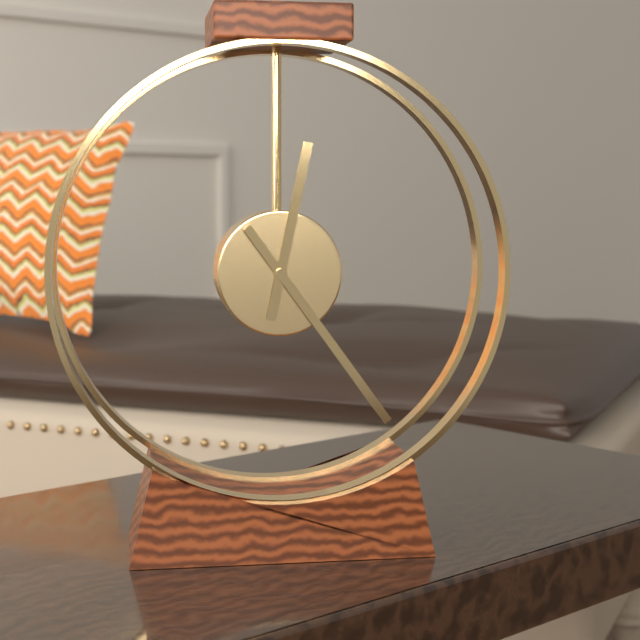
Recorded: h=12 m=24
